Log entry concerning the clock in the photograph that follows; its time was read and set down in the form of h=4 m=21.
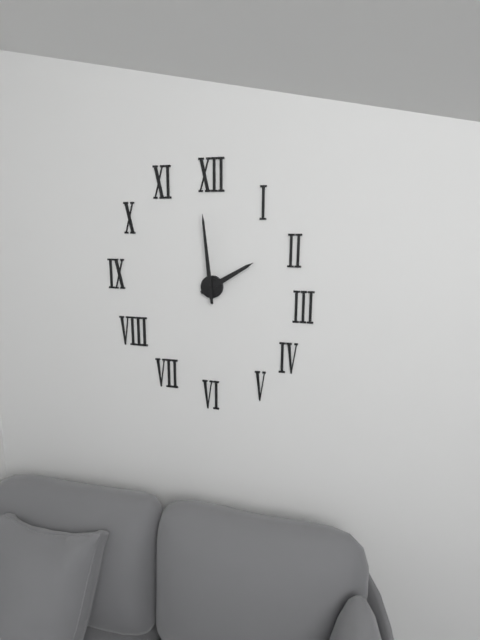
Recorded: h=1 m=59
